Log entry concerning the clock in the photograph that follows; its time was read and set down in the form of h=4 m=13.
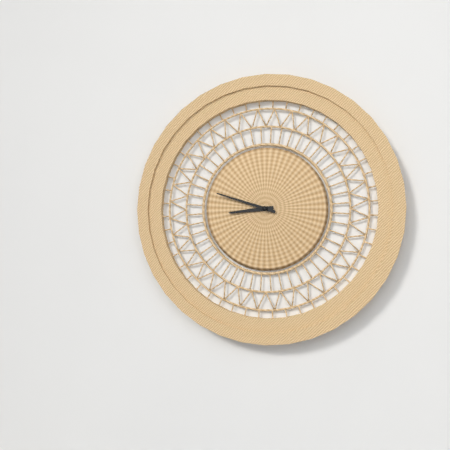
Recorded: h=8 m=48
